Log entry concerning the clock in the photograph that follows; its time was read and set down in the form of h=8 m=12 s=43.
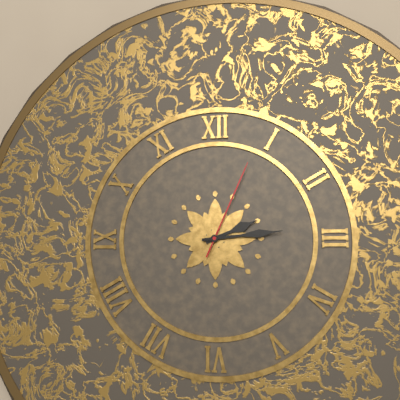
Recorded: h=2 m=14 s=4
